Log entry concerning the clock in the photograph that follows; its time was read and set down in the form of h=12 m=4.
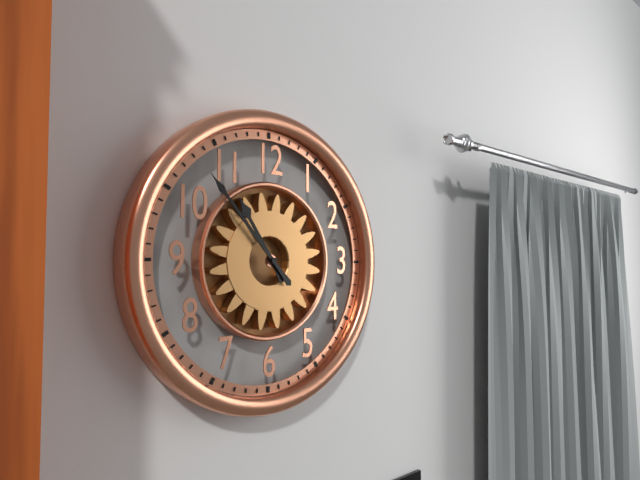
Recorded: h=10 m=53
